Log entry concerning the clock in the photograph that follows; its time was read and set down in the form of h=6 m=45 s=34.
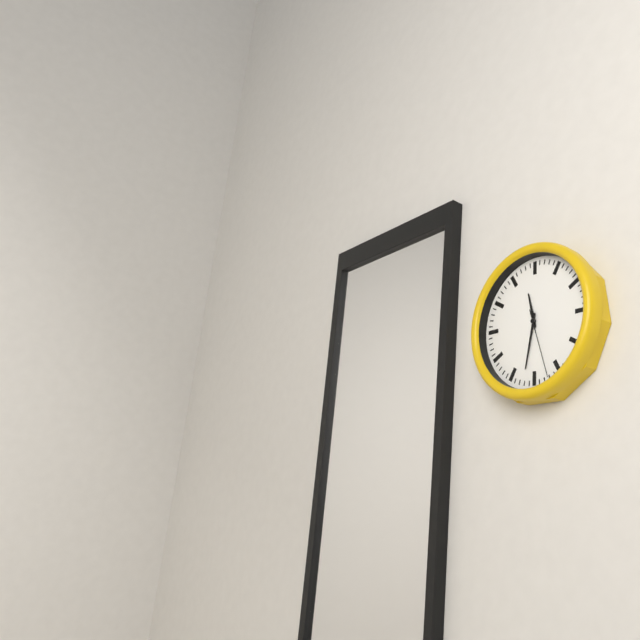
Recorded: h=11 m=32 s=27
